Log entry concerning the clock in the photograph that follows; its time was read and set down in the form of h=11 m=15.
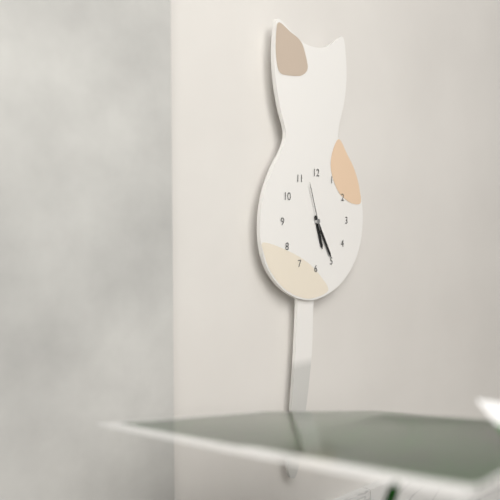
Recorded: h=5 m=25
